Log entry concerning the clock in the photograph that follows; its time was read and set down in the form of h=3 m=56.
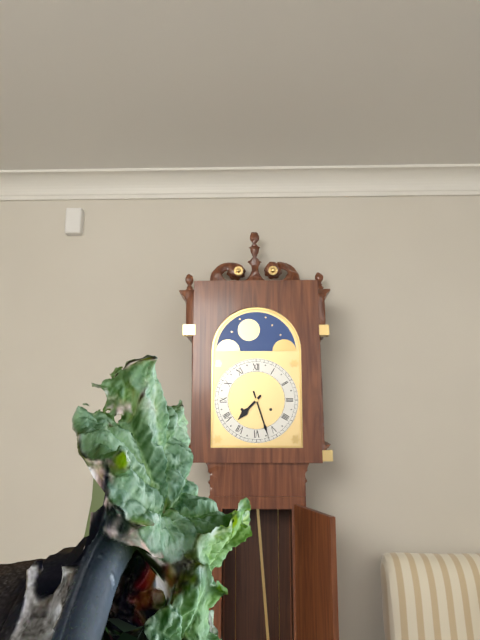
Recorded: h=7 m=27
